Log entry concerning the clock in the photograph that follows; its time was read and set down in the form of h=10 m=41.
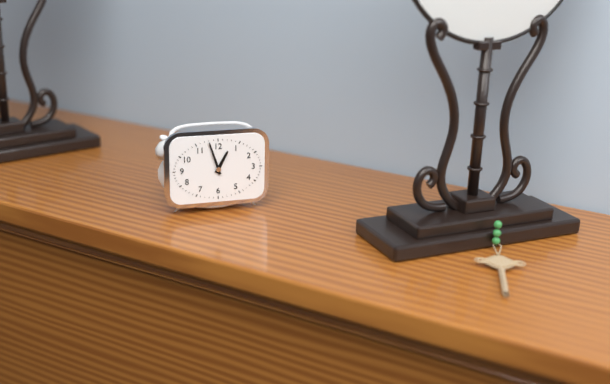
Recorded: h=12 m=57
